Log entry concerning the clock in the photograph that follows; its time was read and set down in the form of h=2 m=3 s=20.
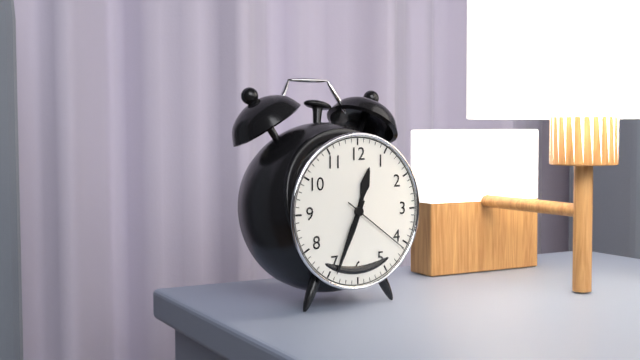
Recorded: h=12 m=34 s=21
